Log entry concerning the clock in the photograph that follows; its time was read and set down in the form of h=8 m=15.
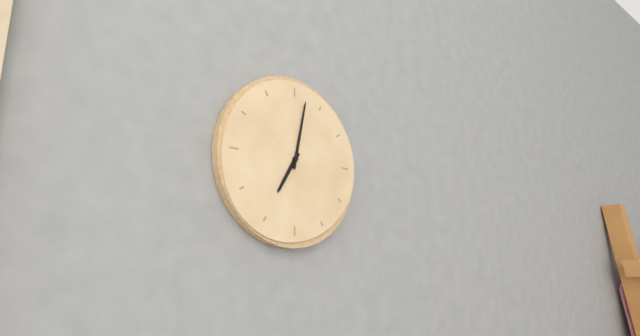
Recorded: h=7 m=2
